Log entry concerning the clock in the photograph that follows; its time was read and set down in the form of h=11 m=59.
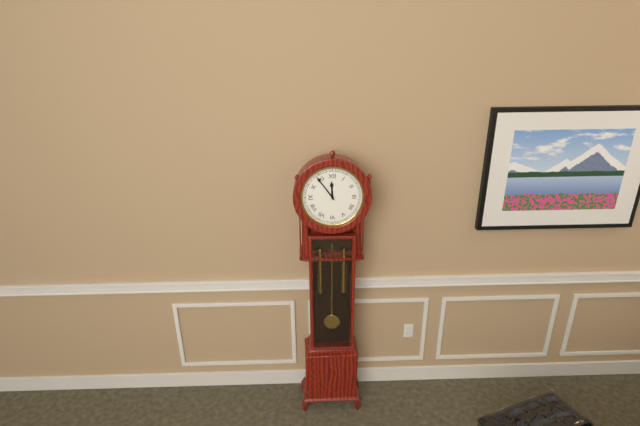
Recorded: h=11 m=54
